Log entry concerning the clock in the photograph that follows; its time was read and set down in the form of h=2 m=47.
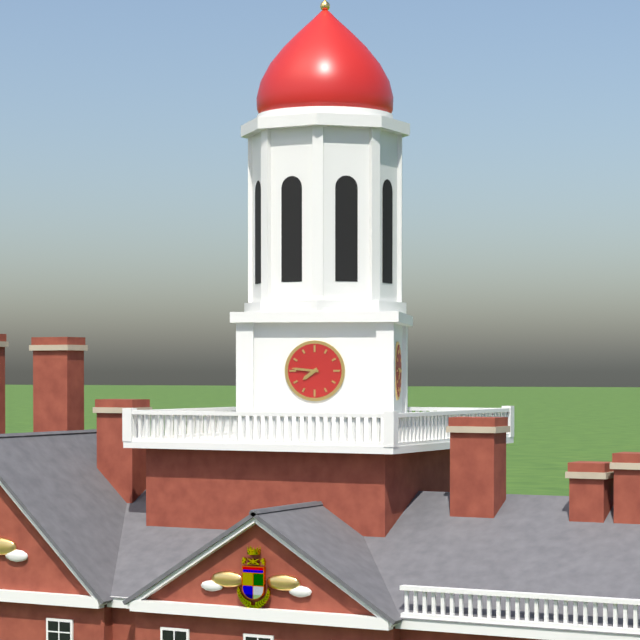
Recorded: h=7 m=46
